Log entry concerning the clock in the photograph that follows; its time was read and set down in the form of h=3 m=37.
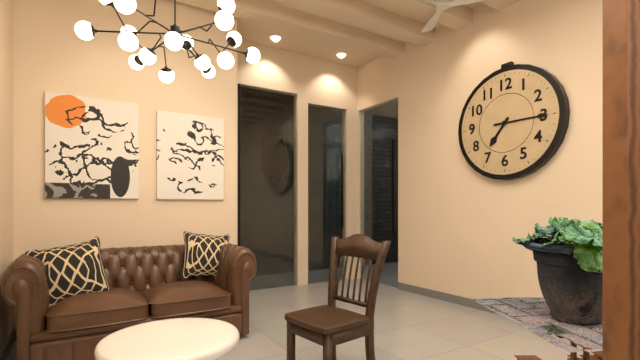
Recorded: h=7 m=15
